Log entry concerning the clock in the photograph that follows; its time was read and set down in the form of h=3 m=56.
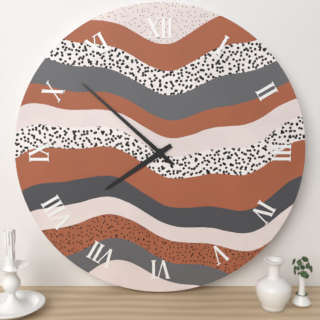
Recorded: h=7 m=52
